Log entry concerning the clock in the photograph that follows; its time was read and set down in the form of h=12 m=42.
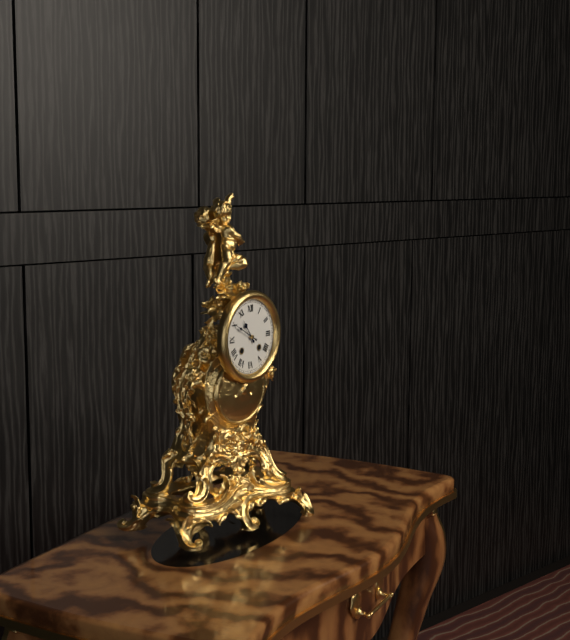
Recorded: h=10 m=50
